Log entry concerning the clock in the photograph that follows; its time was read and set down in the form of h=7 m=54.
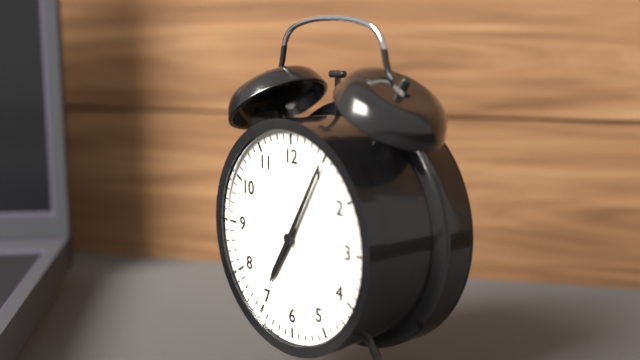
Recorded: h=7 m=5
